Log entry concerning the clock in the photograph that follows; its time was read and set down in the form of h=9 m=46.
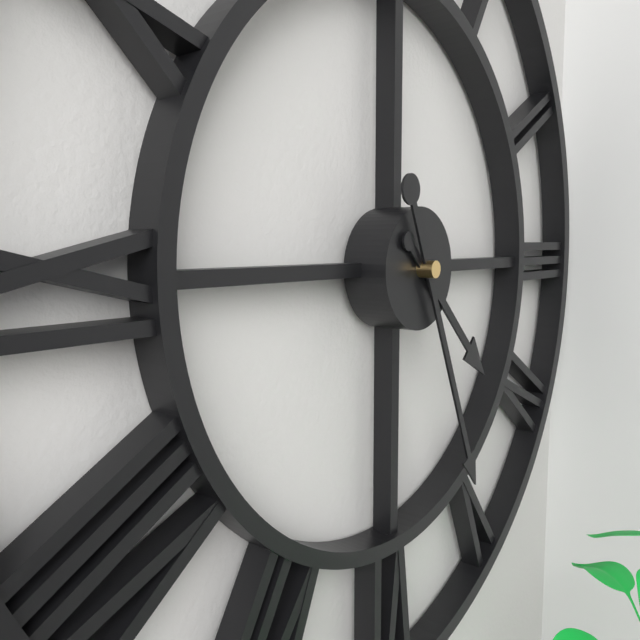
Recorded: h=4 m=26
